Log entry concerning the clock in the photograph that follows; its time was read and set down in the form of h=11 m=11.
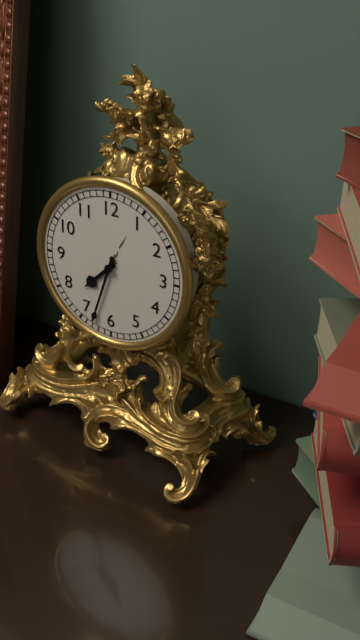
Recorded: h=7 m=33
